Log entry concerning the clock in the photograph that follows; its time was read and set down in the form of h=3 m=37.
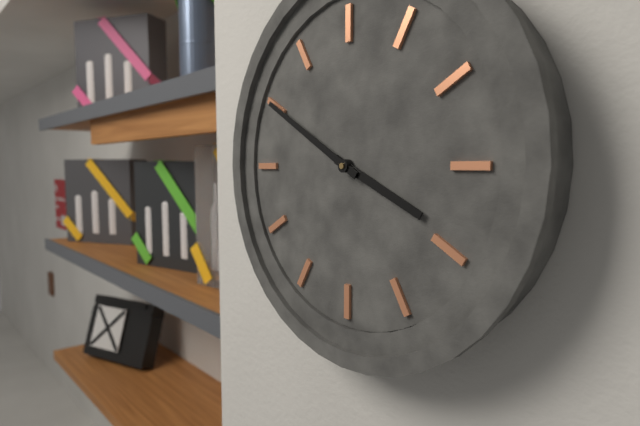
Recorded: h=3 m=50
